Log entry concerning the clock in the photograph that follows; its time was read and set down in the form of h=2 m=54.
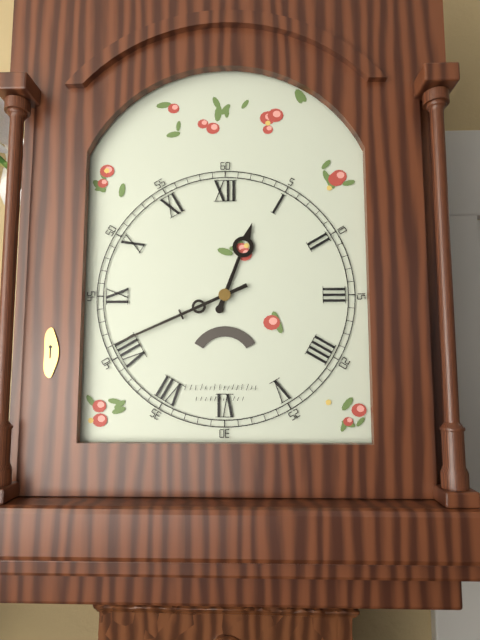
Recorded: h=12 m=41
